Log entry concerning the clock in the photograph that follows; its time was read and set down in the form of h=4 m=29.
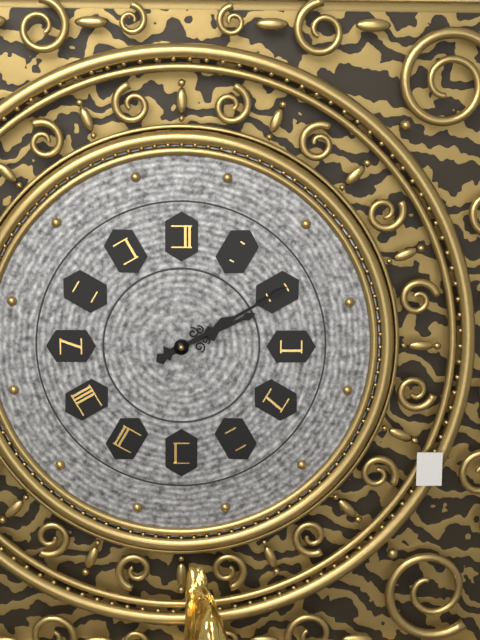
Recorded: h=2 m=10
